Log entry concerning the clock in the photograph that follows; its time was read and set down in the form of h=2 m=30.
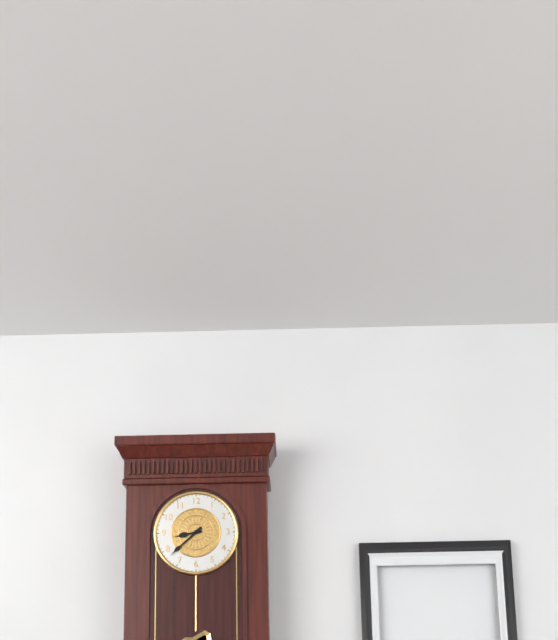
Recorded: h=8 m=38
